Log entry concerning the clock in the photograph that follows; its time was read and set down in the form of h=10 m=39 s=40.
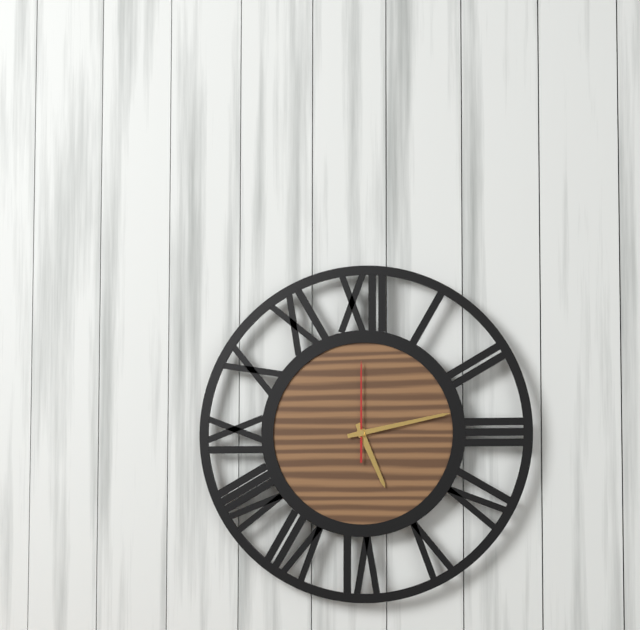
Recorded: h=5 m=13 s=0
